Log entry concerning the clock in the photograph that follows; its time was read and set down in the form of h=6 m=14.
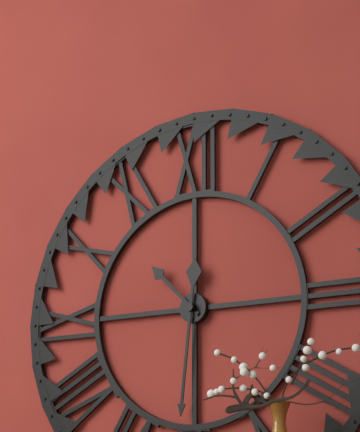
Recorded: h=10 m=31
